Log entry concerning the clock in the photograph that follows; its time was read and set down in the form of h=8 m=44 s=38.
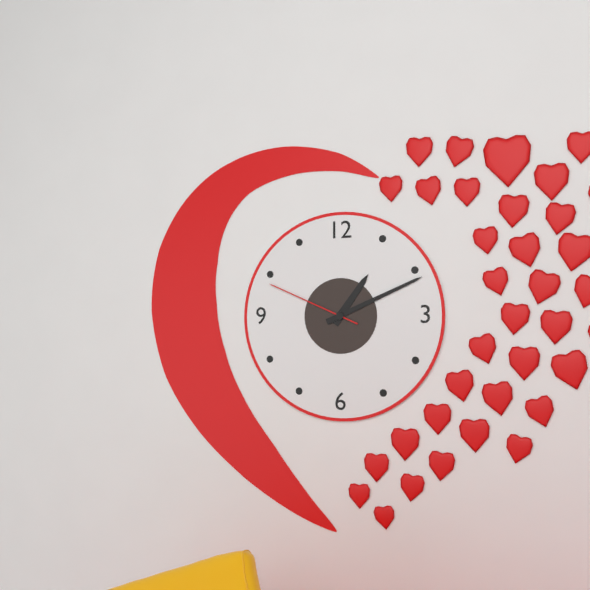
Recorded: h=1 m=11 s=49
